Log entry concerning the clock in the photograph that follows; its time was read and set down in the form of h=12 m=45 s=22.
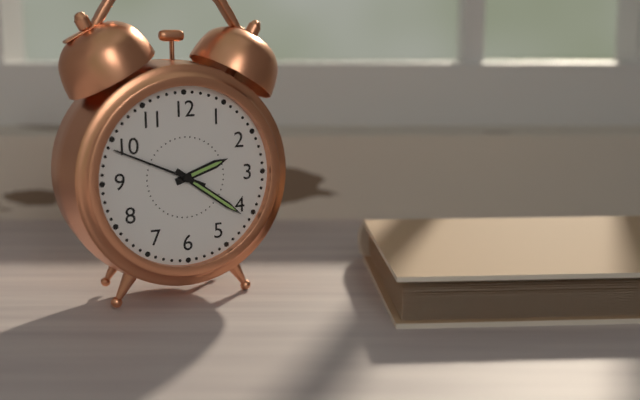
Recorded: h=2 m=21 s=49
